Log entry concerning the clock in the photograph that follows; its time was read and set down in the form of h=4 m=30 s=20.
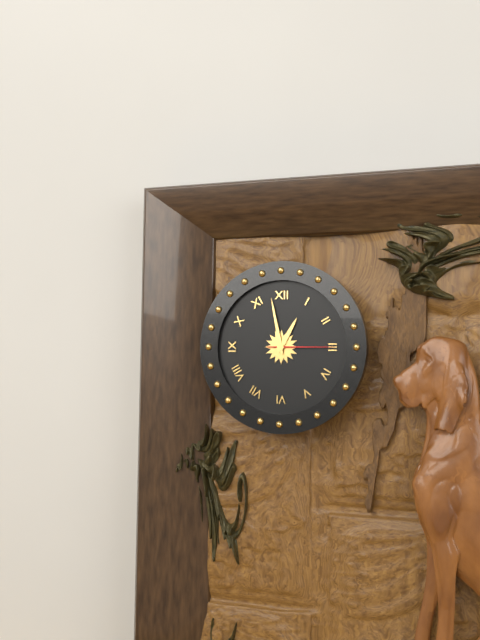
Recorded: h=12 m=58 s=15
